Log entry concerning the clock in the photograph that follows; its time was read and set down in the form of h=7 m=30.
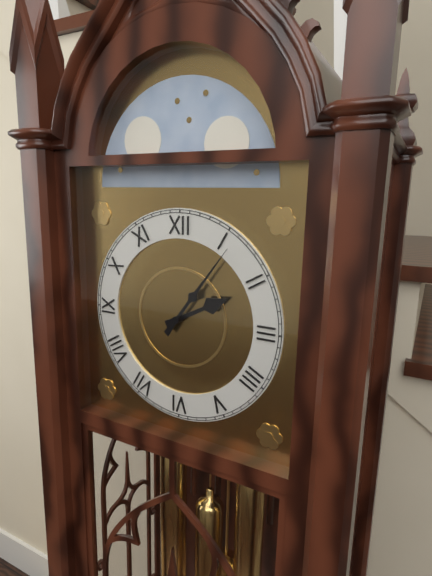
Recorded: h=2 m=6
